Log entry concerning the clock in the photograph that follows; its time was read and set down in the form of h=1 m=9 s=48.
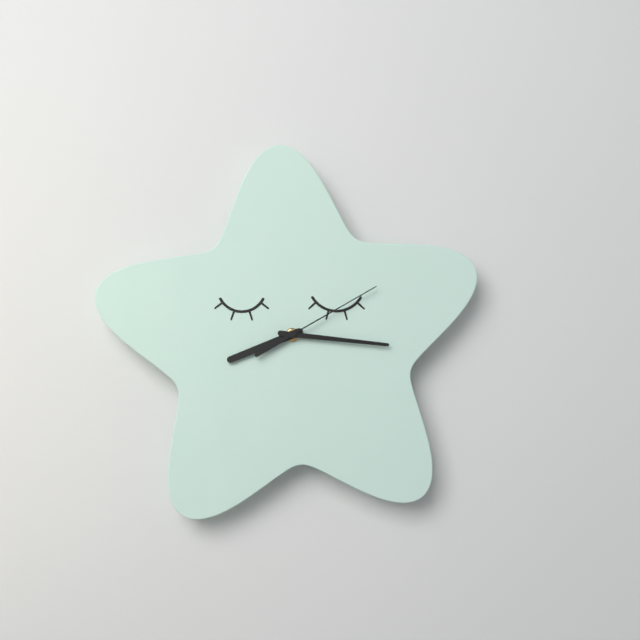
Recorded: h=8 m=16 s=10
